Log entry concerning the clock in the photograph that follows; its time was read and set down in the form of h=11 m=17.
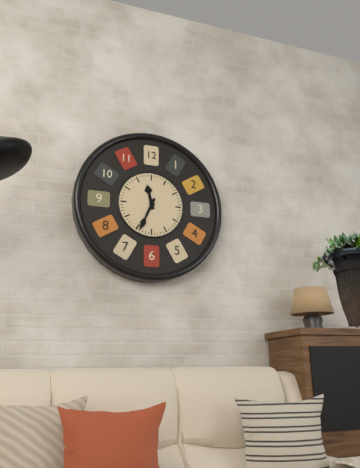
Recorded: h=11 m=34
